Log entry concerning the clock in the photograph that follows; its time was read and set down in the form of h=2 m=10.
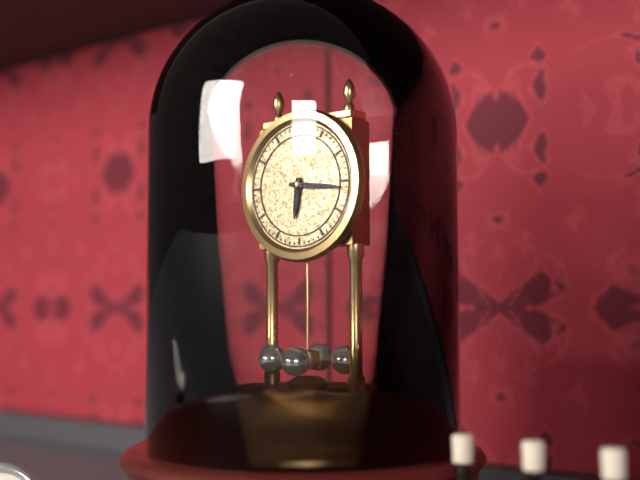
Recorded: h=6 m=16
